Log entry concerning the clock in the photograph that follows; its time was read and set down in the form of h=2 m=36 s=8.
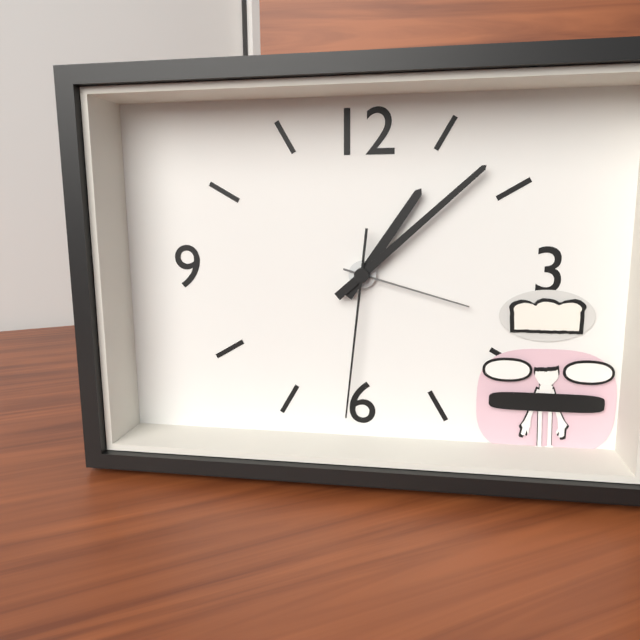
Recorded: h=1 m=8 s=31
